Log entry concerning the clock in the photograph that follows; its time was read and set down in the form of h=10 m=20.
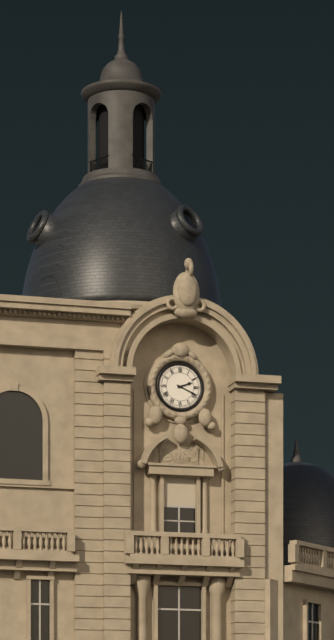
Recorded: h=2 m=19
